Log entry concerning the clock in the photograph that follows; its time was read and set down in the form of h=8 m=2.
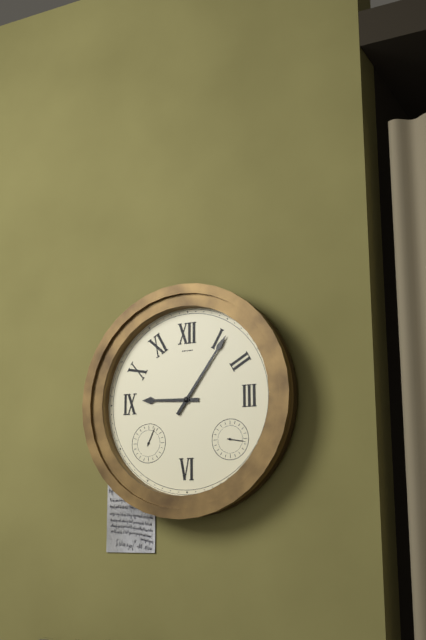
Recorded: h=9 m=6
